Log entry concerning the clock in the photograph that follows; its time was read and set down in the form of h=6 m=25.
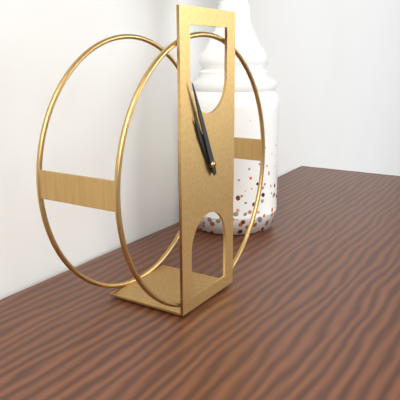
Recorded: h=10 m=56
